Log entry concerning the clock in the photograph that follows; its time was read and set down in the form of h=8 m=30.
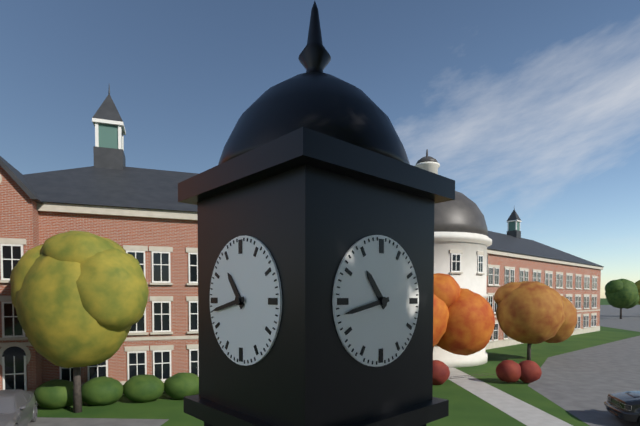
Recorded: h=10 m=43
